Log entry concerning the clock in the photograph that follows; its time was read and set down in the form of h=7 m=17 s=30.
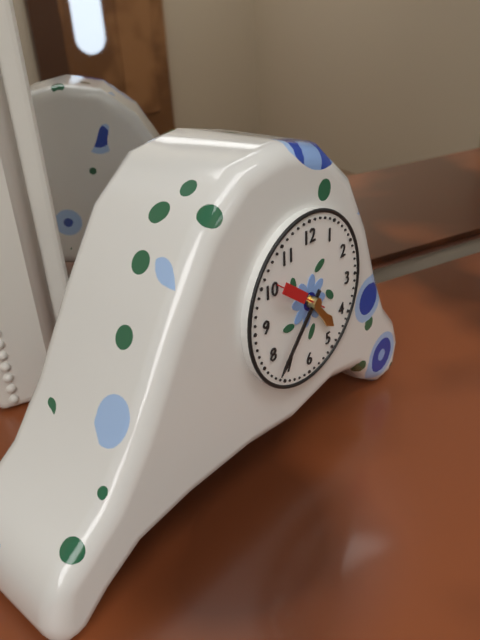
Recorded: h=4 m=37 s=51
